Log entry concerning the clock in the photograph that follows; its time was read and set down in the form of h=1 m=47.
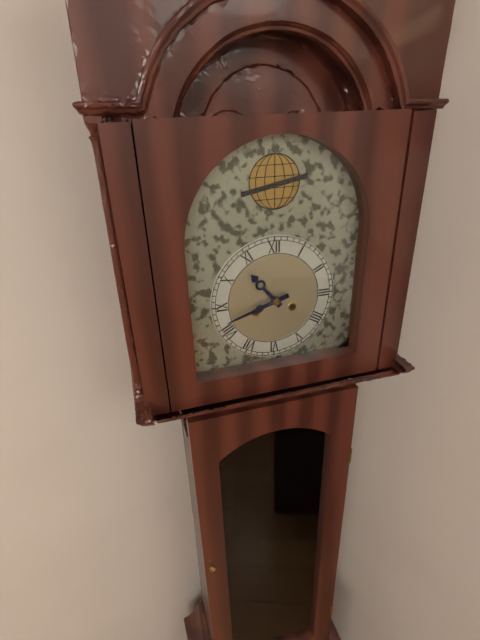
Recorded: h=10 m=42
